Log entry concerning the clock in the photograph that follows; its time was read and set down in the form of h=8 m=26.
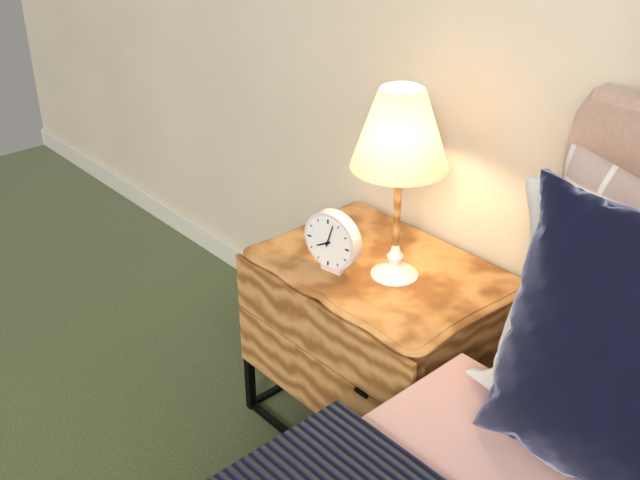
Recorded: h=8 m=3
